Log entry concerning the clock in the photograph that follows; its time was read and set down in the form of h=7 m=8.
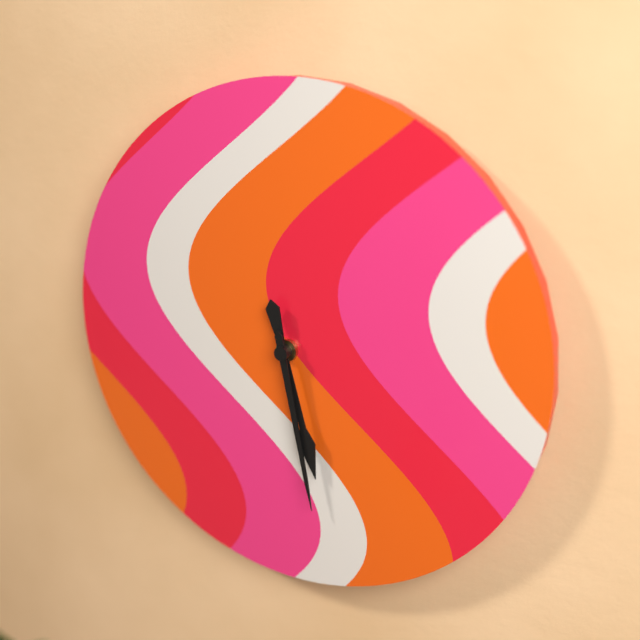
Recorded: h=5 m=28
